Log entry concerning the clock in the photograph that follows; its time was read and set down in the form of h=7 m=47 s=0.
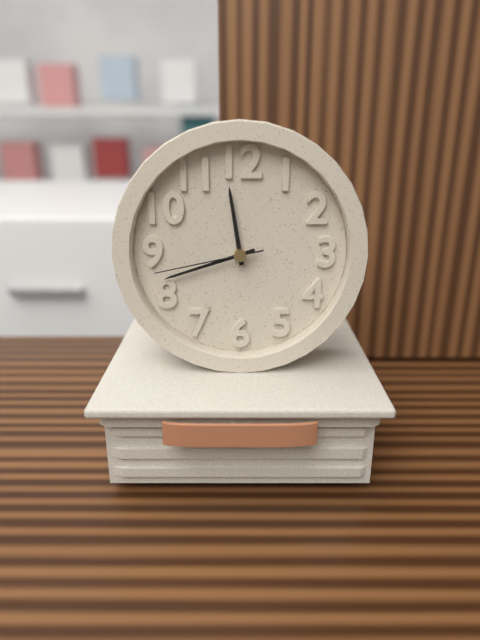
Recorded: h=11 m=42 s=43
